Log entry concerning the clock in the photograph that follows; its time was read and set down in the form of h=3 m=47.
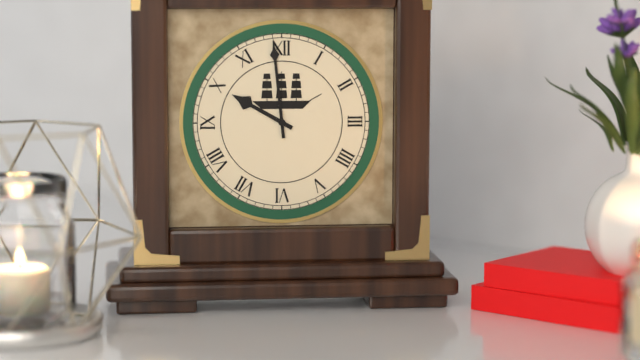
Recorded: h=9 m=59
